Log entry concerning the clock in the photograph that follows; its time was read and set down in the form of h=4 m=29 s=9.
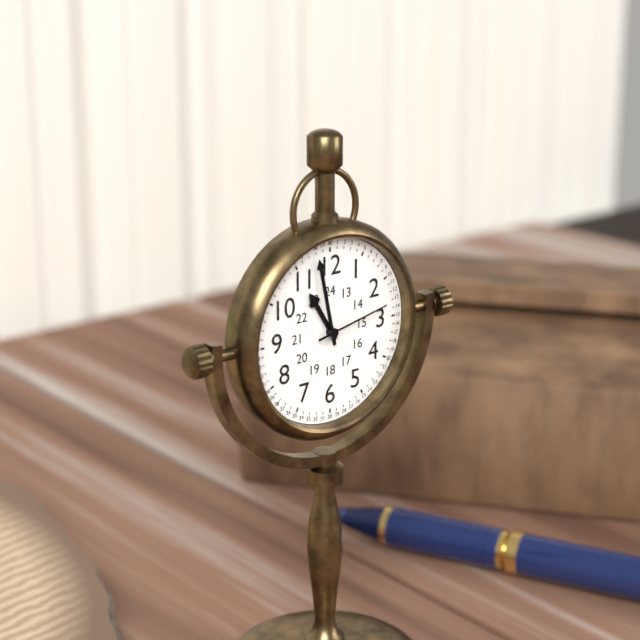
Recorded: h=10 m=58 s=13
